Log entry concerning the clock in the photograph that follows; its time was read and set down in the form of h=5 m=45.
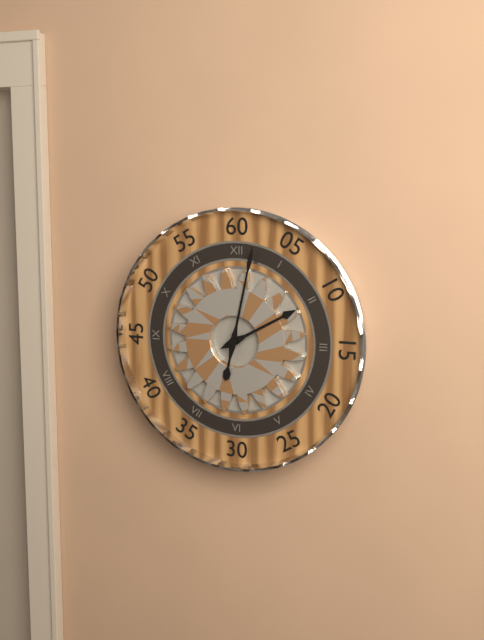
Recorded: h=2 m=2
